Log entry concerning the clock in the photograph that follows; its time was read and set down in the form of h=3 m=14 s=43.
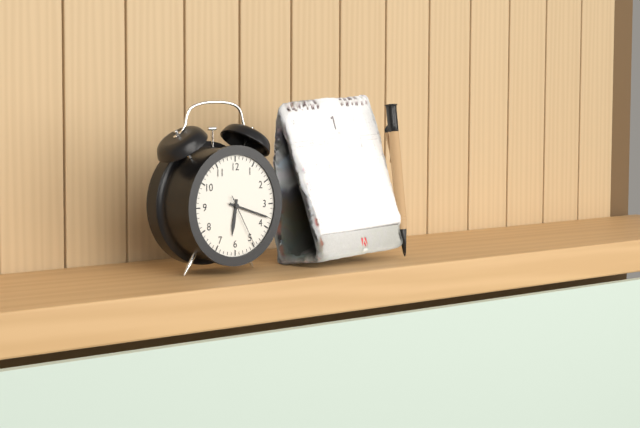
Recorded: h=6 m=18 s=25
